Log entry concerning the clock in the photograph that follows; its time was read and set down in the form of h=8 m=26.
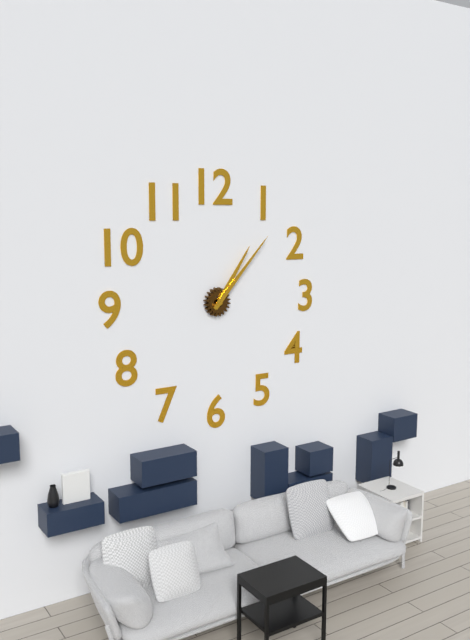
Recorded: h=1 m=7
